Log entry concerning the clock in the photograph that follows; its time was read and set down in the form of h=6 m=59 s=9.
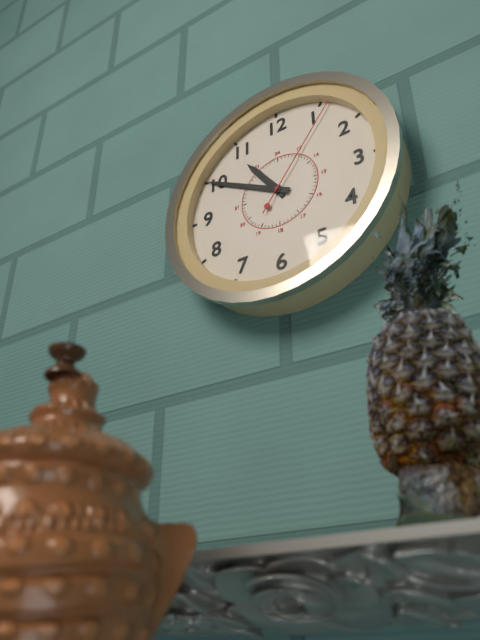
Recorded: h=10 m=50 s=6
